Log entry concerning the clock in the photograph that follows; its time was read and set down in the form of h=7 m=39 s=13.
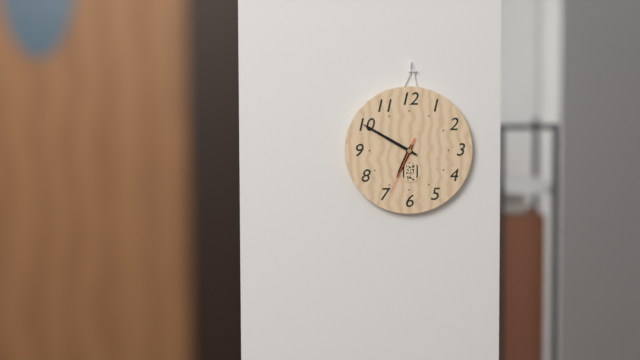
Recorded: h=6 m=50 s=34
